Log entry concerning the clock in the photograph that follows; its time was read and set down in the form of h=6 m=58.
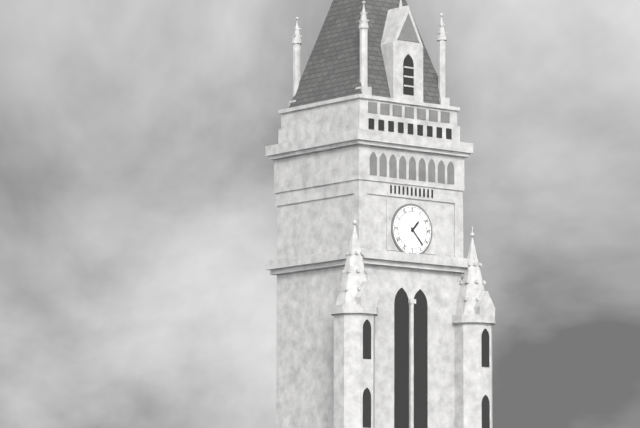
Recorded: h=1 m=23
